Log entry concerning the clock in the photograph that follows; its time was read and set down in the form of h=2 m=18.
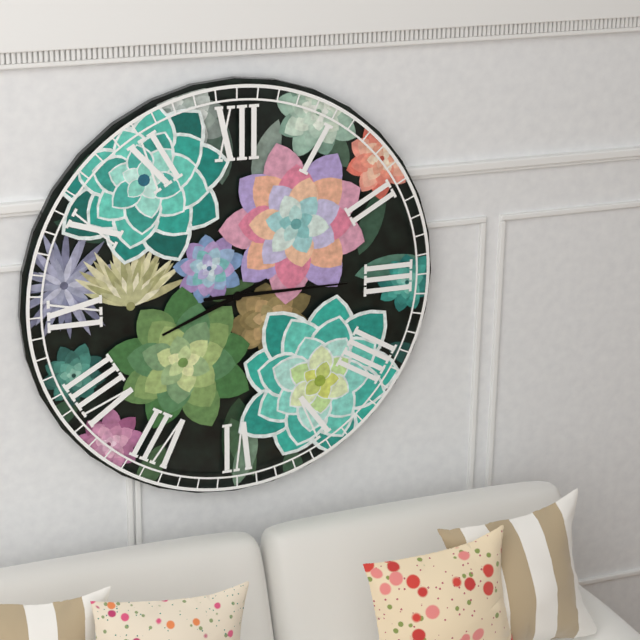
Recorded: h=8 m=15
